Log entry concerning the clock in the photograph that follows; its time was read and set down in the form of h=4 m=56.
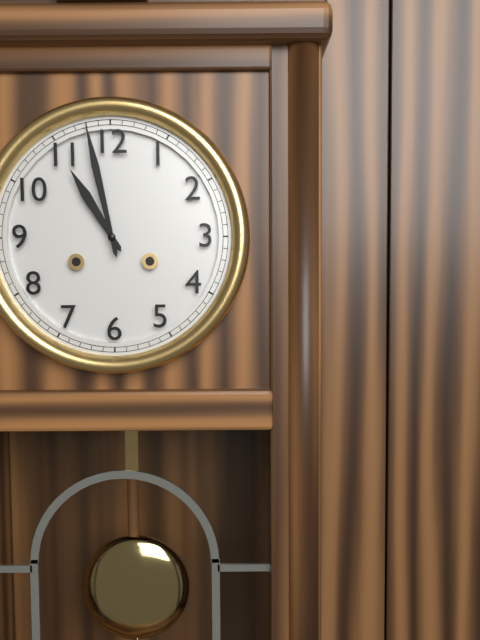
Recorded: h=10 m=58
